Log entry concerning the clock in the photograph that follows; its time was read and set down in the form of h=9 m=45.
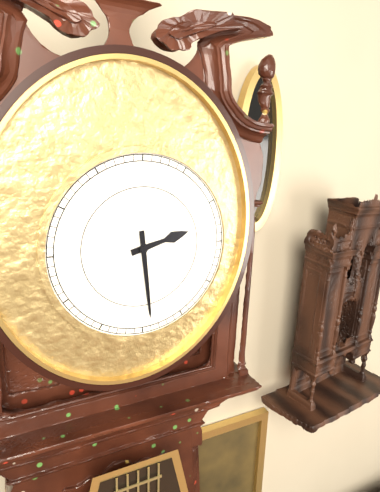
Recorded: h=2 m=29
